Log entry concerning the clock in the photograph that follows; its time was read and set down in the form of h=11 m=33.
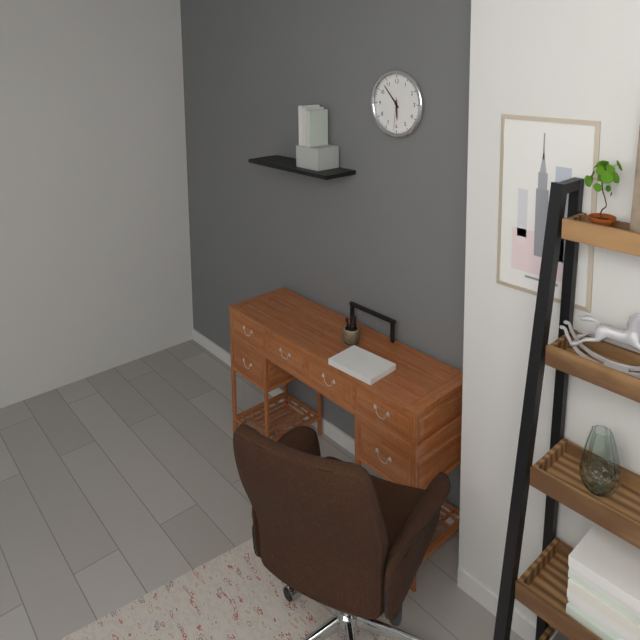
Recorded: h=5 m=53
